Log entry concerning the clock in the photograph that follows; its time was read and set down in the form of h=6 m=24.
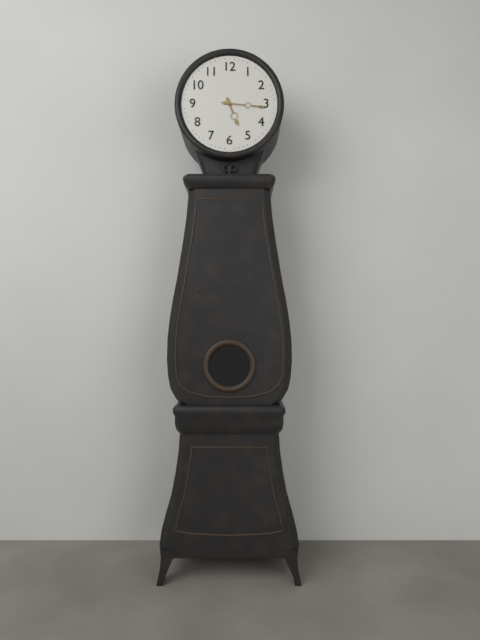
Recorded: h=5 m=16
